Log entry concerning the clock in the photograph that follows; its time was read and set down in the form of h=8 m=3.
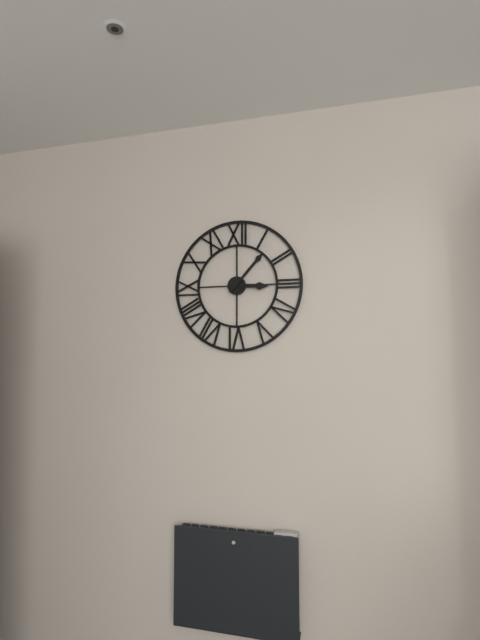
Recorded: h=3 m=7
